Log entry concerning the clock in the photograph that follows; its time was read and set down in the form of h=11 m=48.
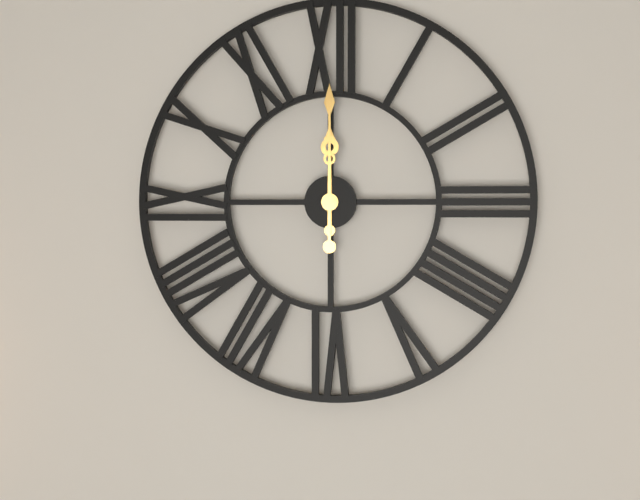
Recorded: h=12 m=0
